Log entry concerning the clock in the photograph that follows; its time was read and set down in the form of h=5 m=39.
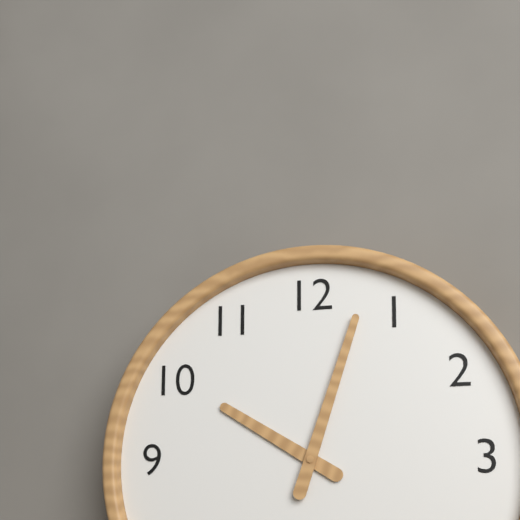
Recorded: h=10 m=3
